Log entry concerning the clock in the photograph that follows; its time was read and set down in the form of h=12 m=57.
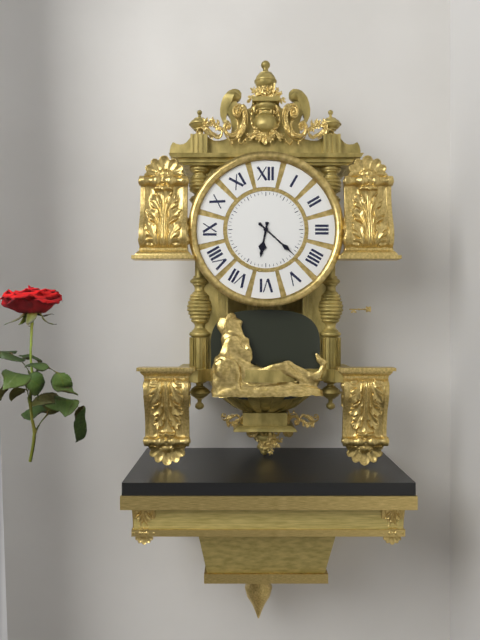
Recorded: h=6 m=22
